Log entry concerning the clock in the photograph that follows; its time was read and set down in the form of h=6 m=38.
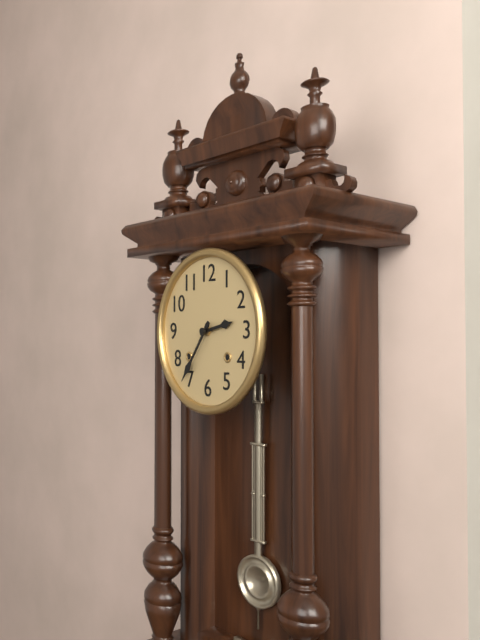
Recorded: h=2 m=36
